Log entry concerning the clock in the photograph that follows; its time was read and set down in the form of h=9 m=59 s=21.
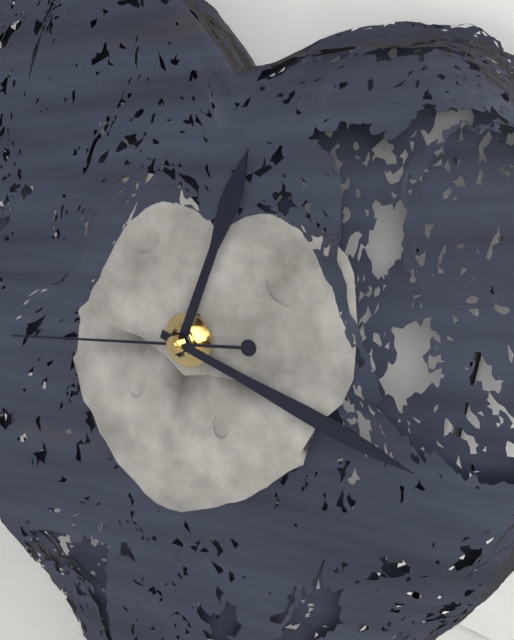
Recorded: h=12 m=16 s=42
